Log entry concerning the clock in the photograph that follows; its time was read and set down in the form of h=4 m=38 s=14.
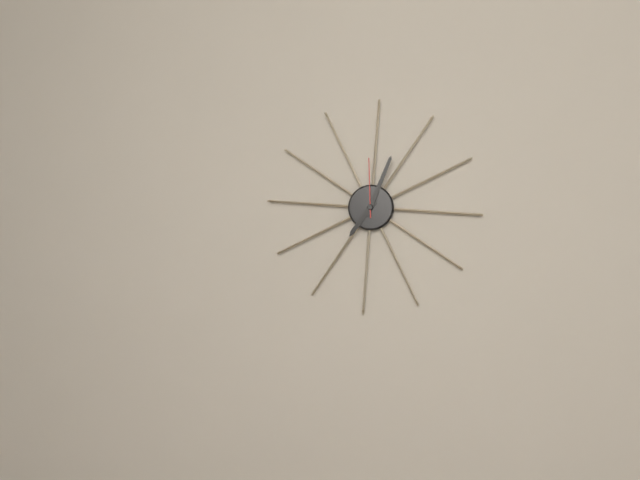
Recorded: h=7 m=3 s=59
